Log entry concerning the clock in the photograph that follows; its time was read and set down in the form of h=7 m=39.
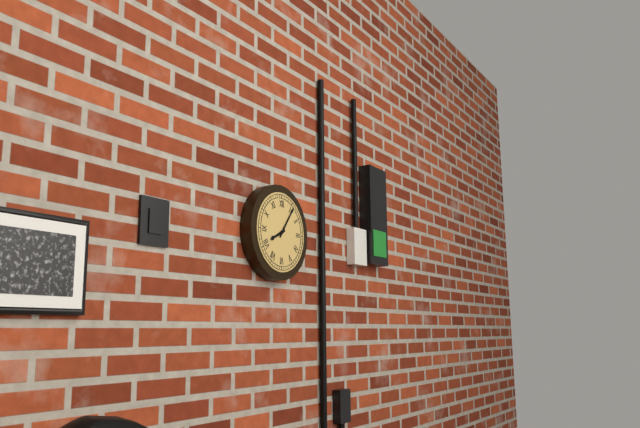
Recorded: h=8 m=6
